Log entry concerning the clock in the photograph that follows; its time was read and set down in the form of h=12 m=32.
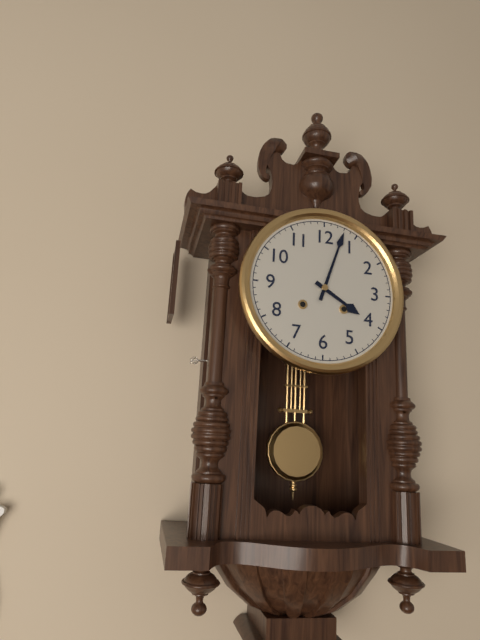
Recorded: h=4 m=3
